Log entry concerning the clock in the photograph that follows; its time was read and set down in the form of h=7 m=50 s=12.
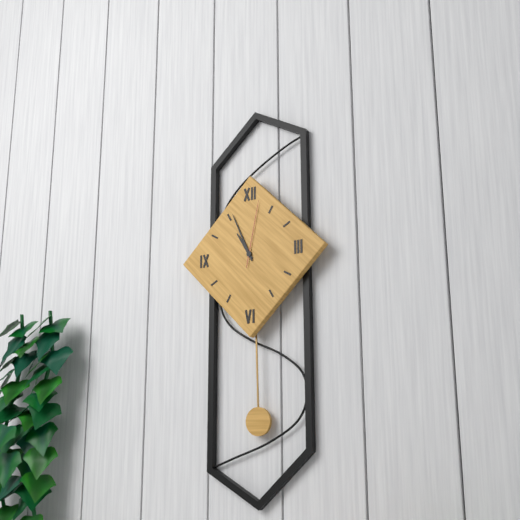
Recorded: h=10 m=56 s=2
